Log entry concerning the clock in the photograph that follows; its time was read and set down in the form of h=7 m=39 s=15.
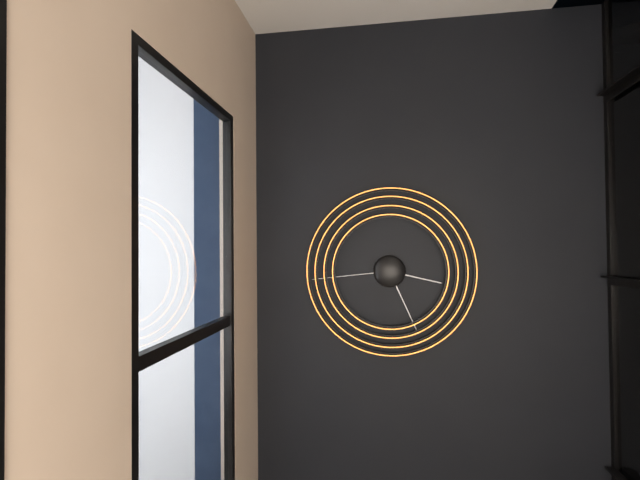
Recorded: h=3 m=26 s=44
